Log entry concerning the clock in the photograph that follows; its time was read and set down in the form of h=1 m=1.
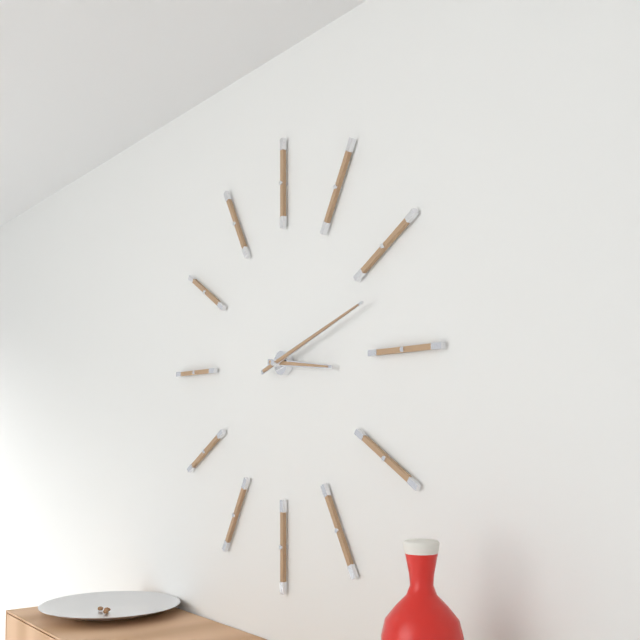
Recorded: h=3 m=12
